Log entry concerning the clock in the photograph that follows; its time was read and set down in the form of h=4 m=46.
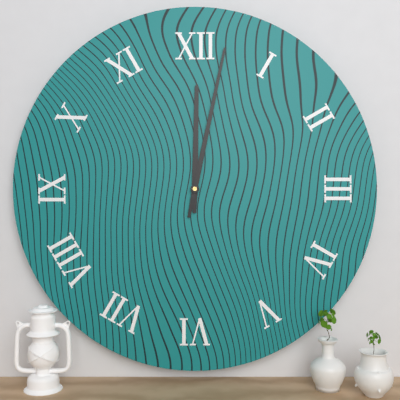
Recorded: h=12 m=2
